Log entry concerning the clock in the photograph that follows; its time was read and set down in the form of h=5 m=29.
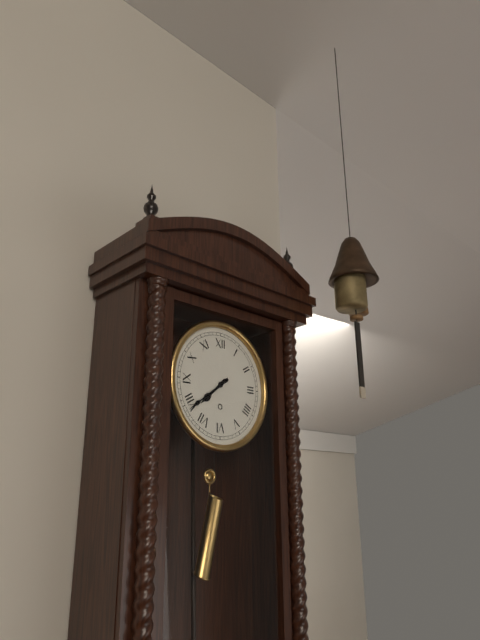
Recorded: h=7 m=39
